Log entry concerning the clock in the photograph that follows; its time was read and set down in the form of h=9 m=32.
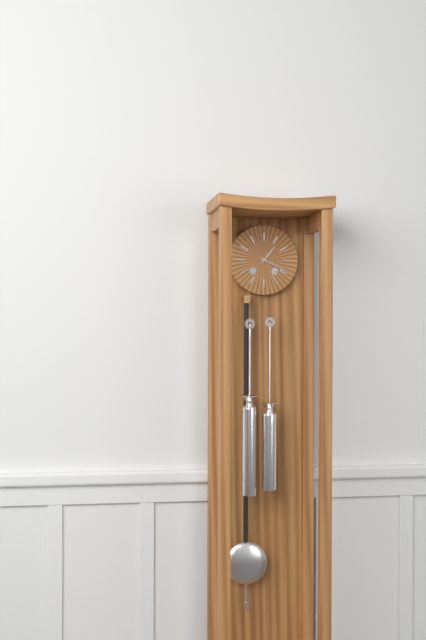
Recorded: h=1 m=19
